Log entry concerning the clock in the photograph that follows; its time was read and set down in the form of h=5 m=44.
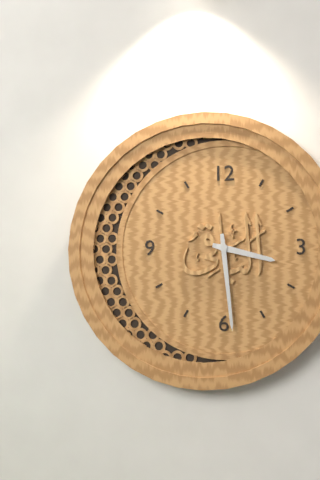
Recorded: h=3 m=29
